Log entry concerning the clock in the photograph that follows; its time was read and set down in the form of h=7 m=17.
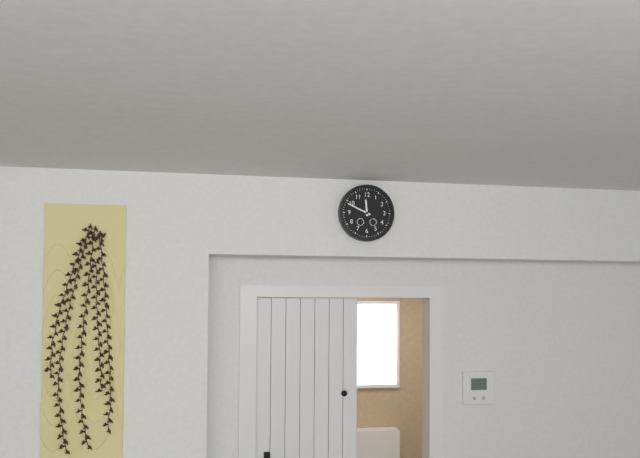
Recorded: h=11 m=49
